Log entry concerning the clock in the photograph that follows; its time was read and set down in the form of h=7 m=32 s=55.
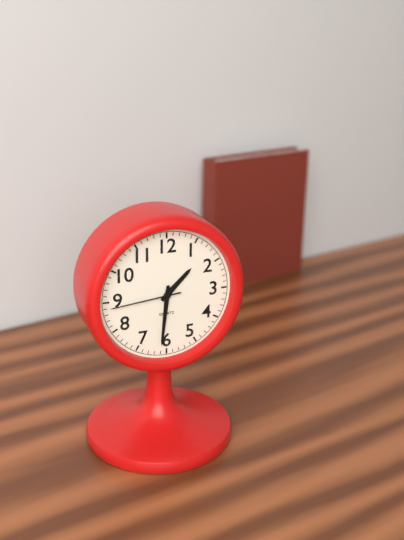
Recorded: h=1 m=31 s=44
